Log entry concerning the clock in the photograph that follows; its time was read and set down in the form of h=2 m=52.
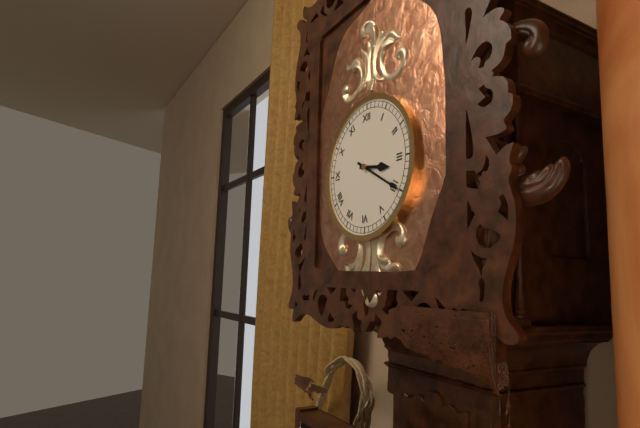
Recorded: h=3 m=20
